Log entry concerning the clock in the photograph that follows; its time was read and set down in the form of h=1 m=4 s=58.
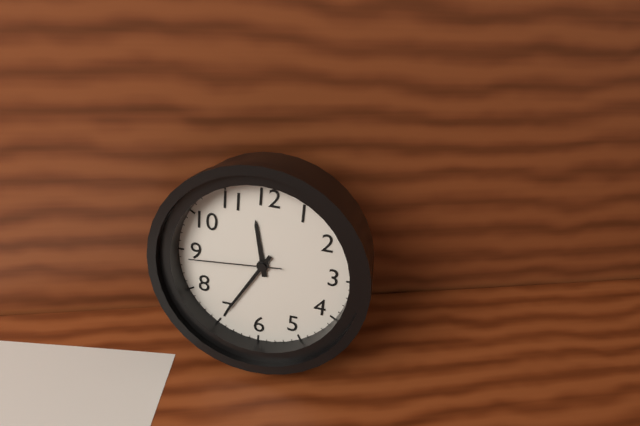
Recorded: h=11 m=35 s=44
